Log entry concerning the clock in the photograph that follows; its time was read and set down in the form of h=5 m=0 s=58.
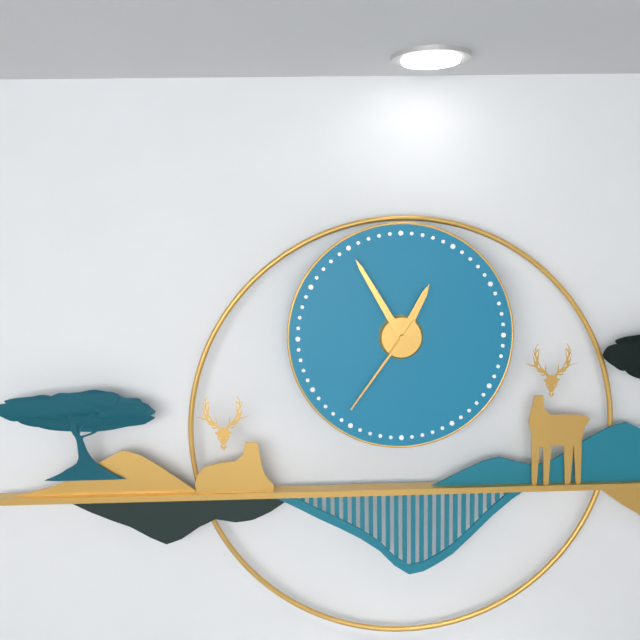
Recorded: h=12 m=55 s=36
